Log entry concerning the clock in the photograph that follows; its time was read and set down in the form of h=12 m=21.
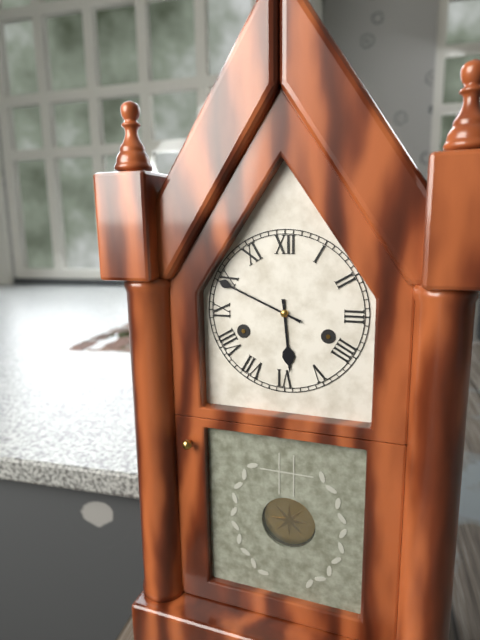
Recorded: h=5 m=49
